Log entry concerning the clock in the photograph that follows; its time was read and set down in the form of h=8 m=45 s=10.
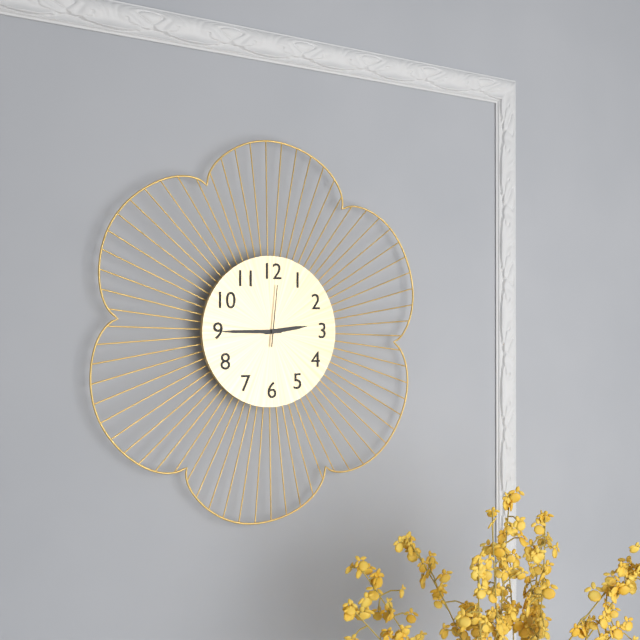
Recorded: h=2 m=45 s=1
